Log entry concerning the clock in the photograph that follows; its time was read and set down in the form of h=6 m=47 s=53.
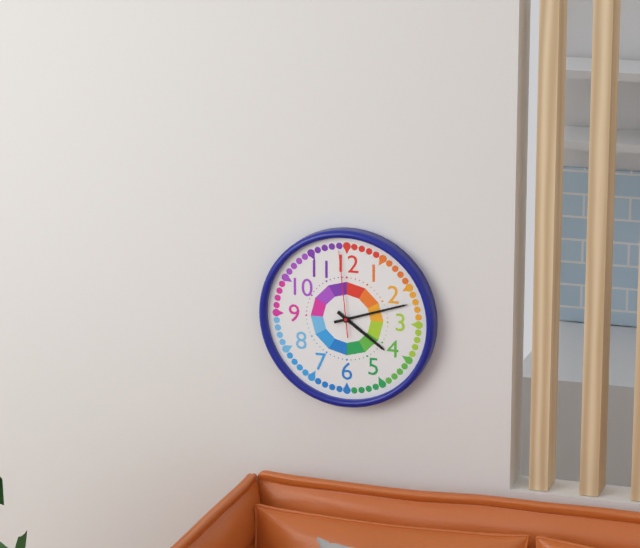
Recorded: h=4 m=12 s=59
